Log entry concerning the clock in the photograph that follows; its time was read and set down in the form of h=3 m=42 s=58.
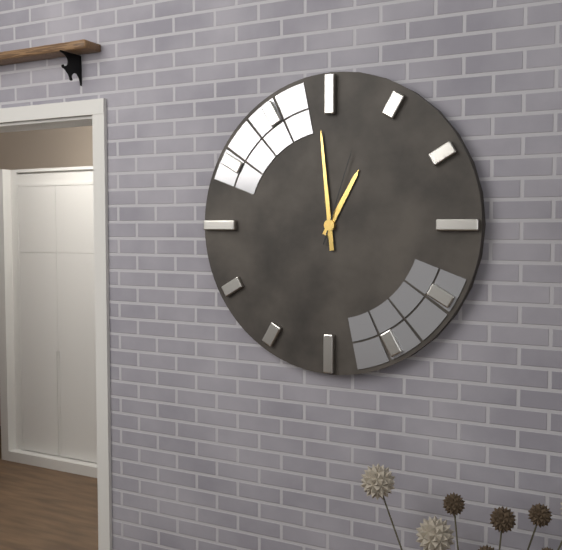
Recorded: h=12 m=59 s=3
